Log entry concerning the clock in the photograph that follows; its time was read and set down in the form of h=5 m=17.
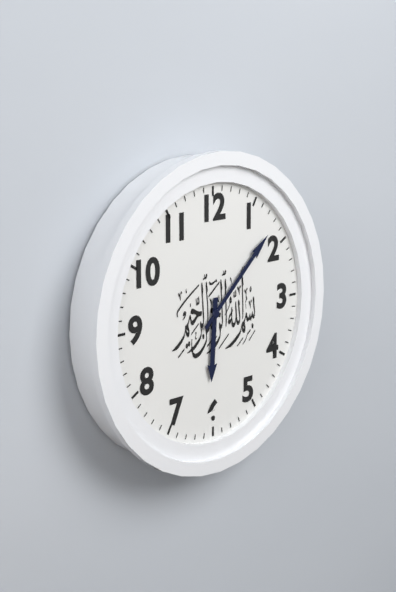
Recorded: h=6 m=8
